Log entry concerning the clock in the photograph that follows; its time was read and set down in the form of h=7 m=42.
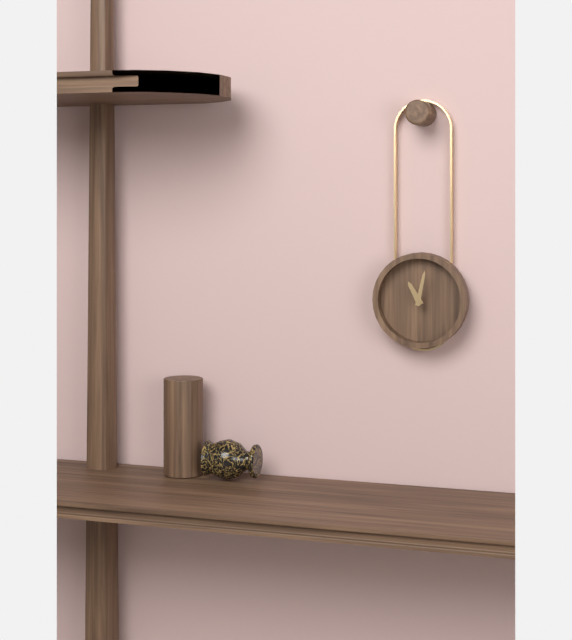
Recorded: h=11 m=2
